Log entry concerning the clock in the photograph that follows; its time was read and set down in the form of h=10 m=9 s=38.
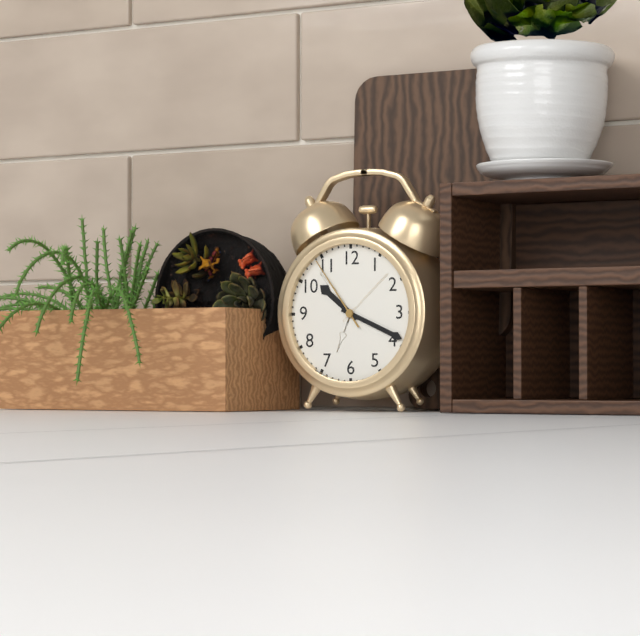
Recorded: h=10 m=19 s=54
